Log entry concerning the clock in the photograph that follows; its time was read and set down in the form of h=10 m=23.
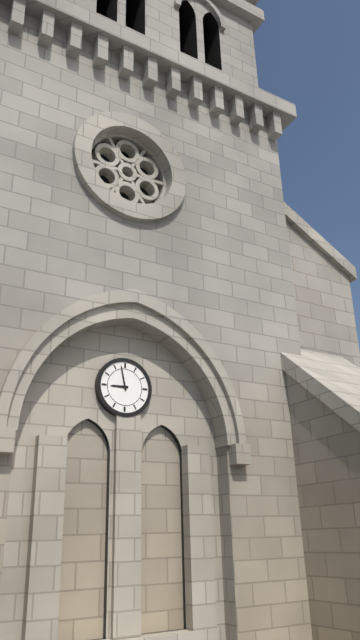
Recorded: h=8 m=58
